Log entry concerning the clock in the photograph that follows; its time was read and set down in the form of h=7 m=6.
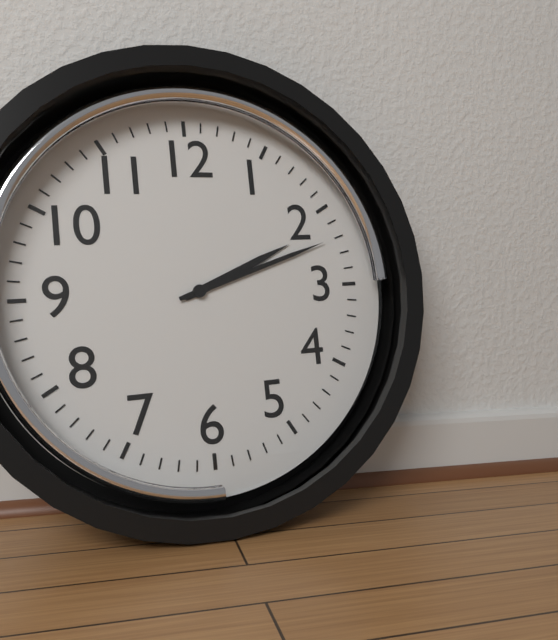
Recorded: h=2 m=12
